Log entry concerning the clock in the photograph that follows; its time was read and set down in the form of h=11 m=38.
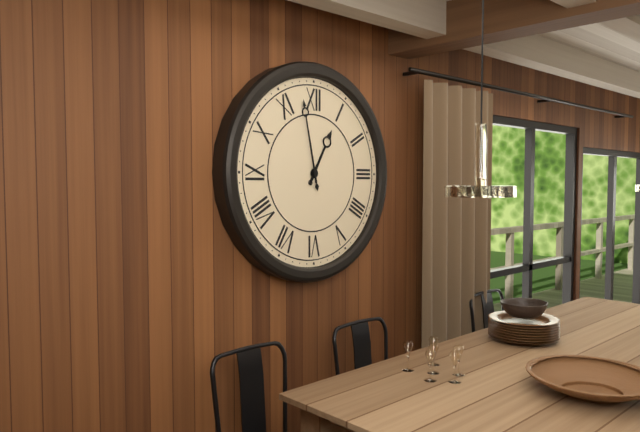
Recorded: h=12 m=58
